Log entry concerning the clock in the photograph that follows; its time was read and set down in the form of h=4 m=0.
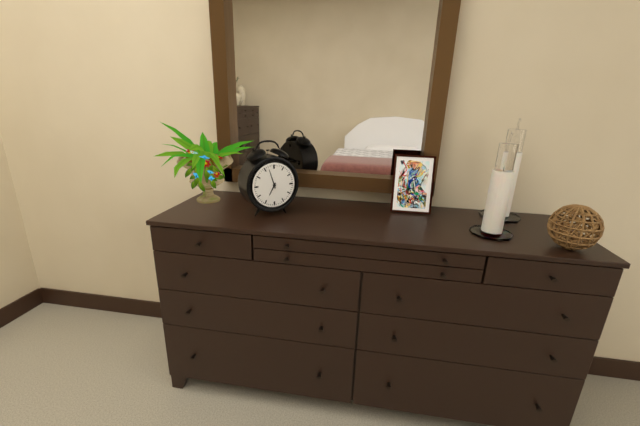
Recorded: h=6 m=57
